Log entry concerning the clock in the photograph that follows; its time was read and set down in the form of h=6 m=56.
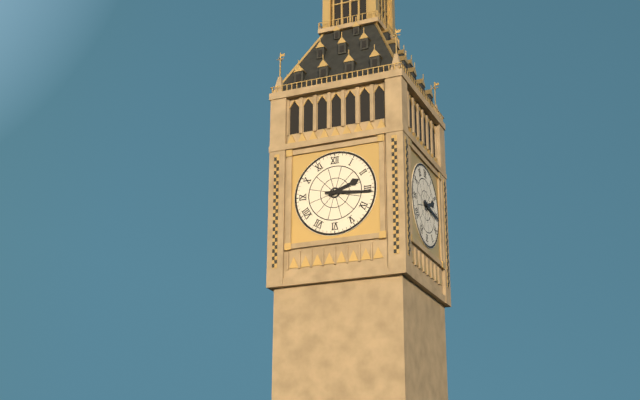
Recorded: h=2 m=16
